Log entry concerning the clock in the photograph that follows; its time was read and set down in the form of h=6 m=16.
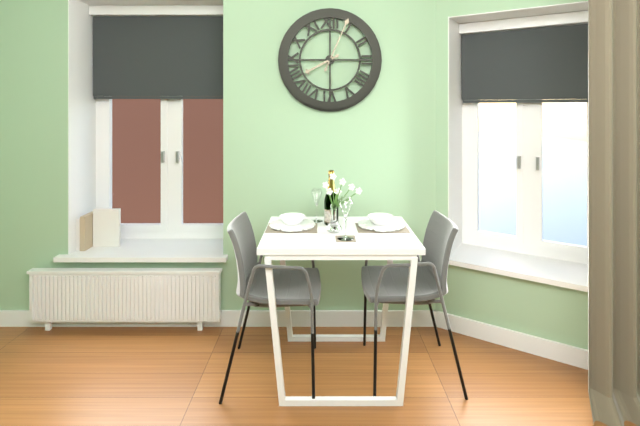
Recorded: h=8 m=4
